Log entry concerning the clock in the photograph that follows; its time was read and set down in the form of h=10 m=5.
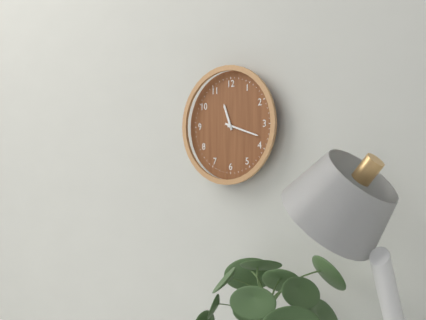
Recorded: h=11 m=18
